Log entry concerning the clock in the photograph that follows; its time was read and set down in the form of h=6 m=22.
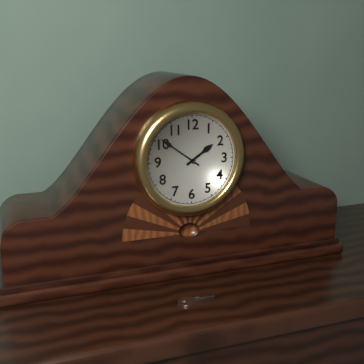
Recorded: h=1 m=51
